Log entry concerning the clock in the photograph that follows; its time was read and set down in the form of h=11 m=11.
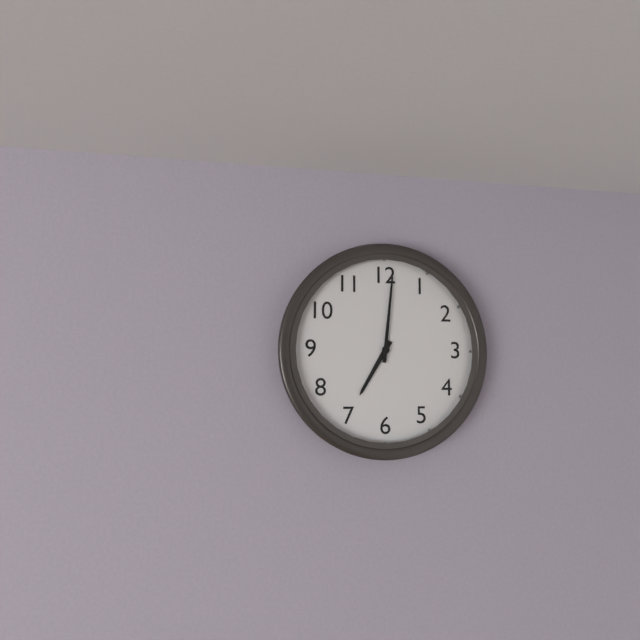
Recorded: h=7 m=1
